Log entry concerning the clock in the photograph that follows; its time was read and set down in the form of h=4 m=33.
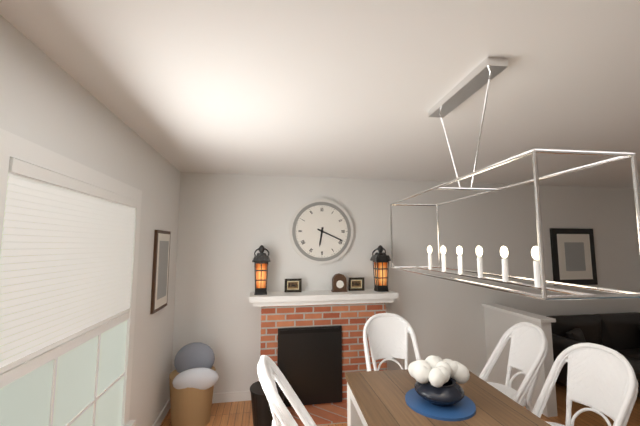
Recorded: h=6 m=19
